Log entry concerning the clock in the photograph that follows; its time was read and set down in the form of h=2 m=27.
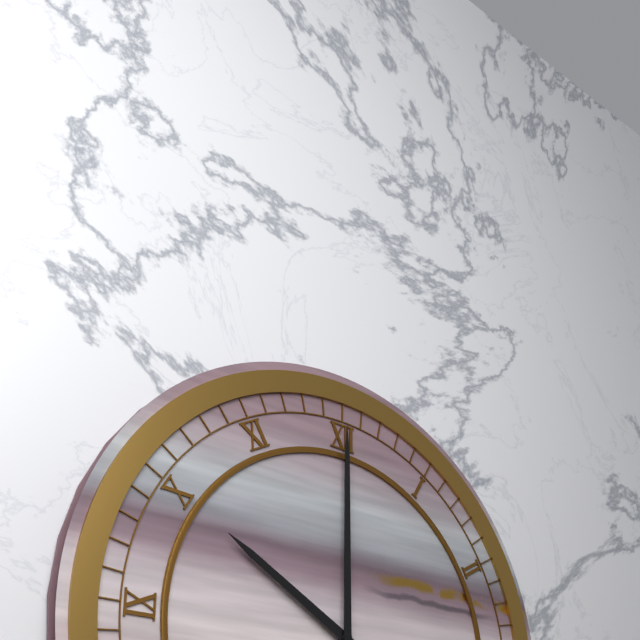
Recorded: h=10 m=0
